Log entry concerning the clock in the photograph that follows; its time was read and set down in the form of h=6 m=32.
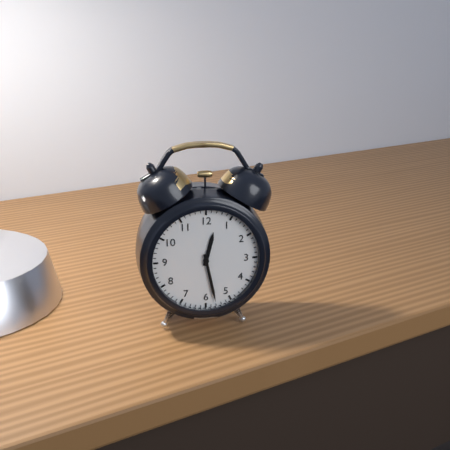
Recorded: h=12 m=28
